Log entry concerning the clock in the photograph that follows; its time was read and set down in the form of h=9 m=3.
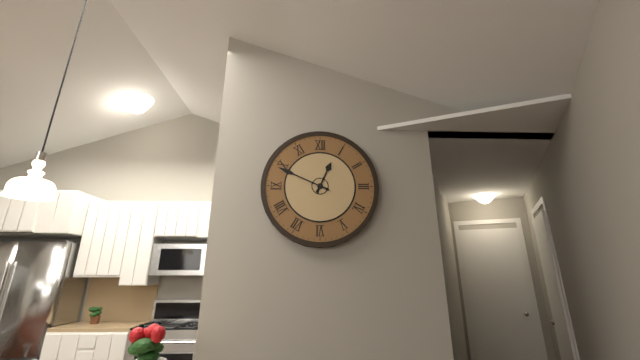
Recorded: h=12 m=49
